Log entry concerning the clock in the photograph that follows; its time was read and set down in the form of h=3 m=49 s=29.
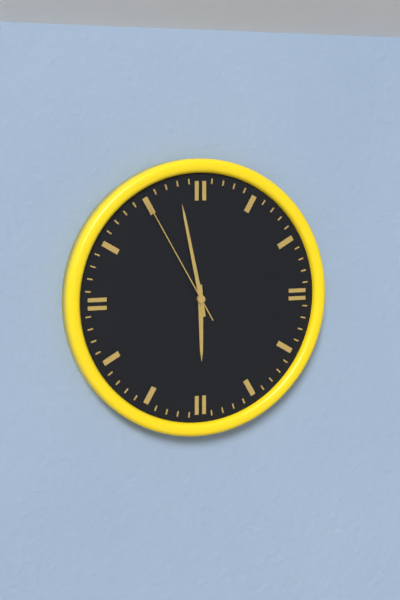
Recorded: h=5 m=58 s=55
